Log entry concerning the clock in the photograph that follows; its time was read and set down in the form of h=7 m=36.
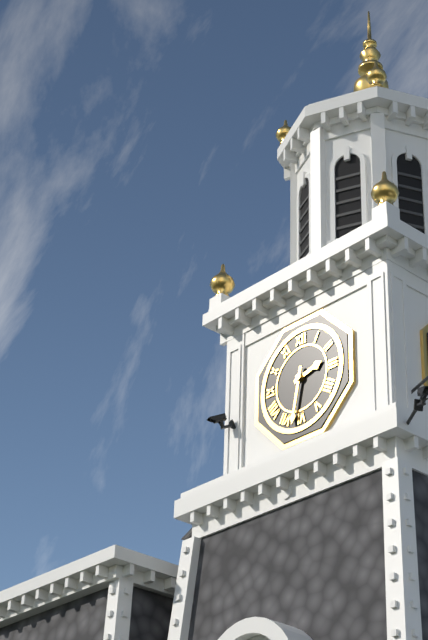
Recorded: h=2 m=32
